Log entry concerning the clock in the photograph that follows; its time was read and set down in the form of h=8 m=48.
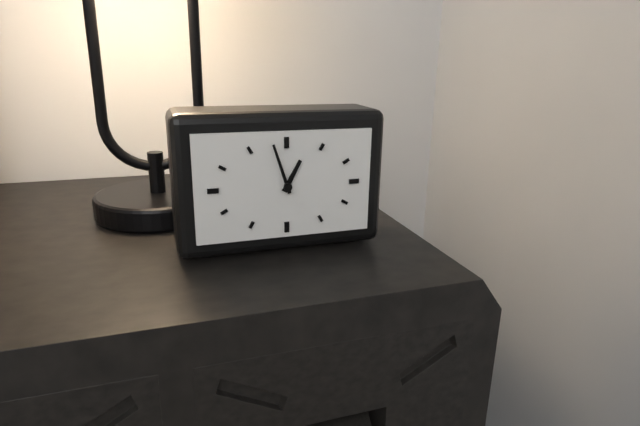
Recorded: h=12 m=57
